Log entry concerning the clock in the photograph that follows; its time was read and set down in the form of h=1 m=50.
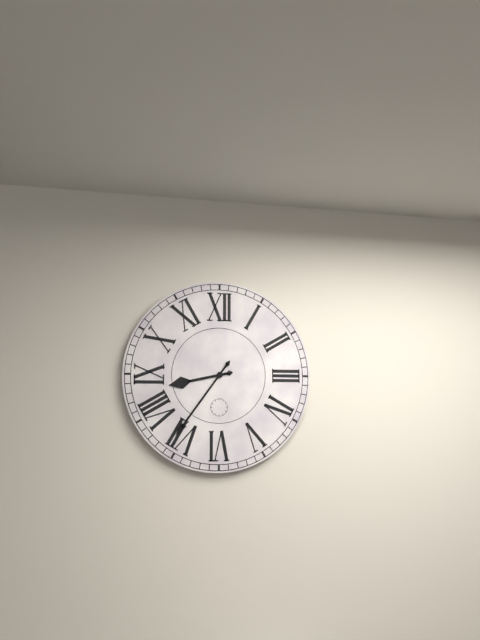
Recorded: h=8 m=36
